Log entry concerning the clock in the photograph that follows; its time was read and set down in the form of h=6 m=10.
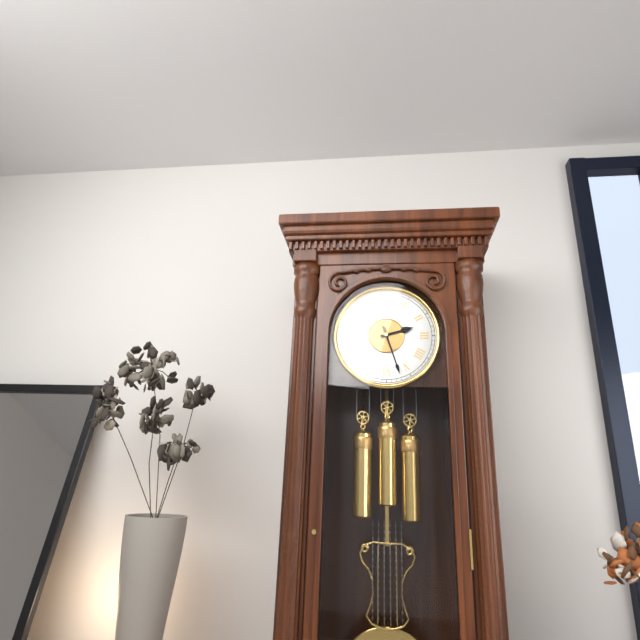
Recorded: h=2 m=27
